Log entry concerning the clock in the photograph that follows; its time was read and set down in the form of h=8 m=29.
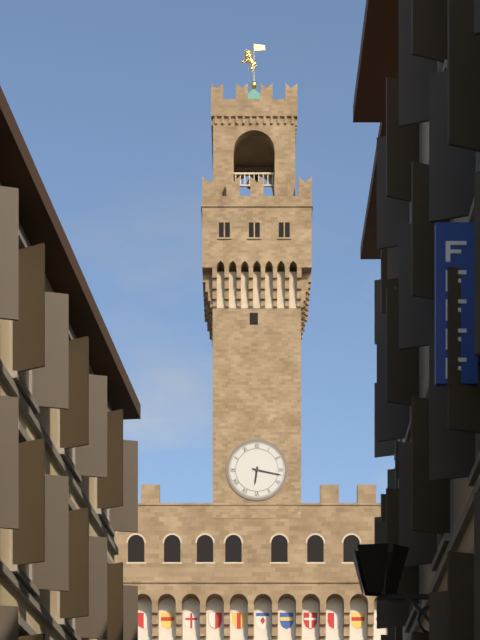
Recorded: h=6 m=17
